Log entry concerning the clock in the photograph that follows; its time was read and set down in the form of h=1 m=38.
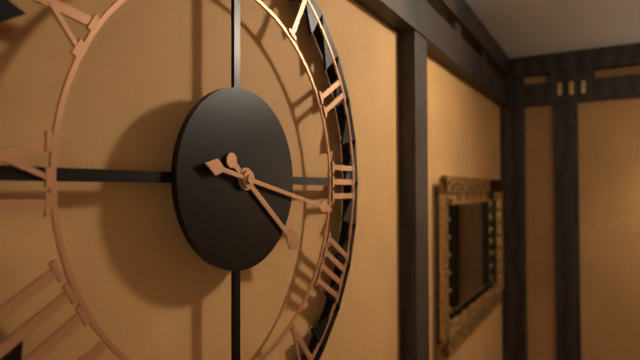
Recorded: h=4 m=17
